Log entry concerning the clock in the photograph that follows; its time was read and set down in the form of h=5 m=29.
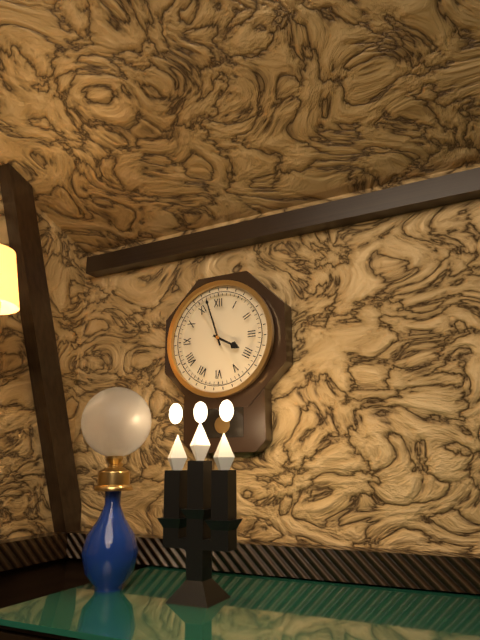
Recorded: h=3 m=57
